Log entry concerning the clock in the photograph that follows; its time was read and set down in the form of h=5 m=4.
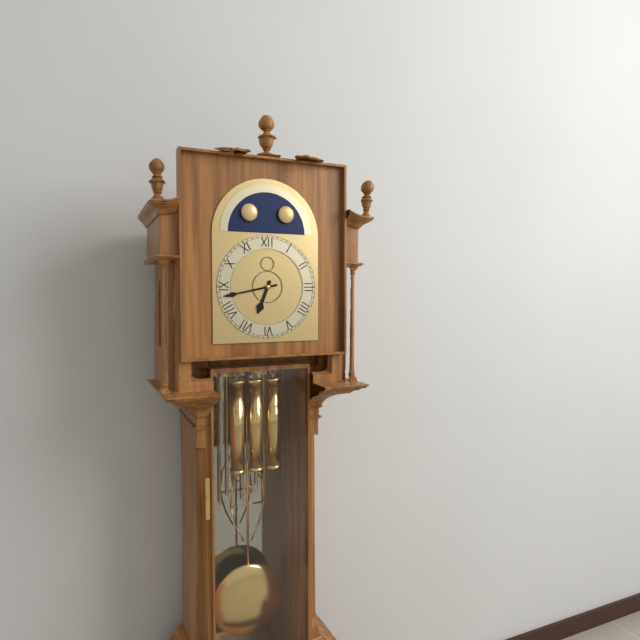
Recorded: h=6 m=43
